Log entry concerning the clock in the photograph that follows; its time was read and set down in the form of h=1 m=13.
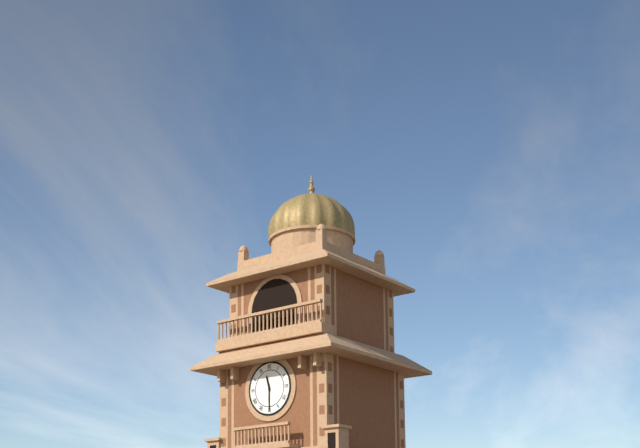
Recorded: h=11 m=30
